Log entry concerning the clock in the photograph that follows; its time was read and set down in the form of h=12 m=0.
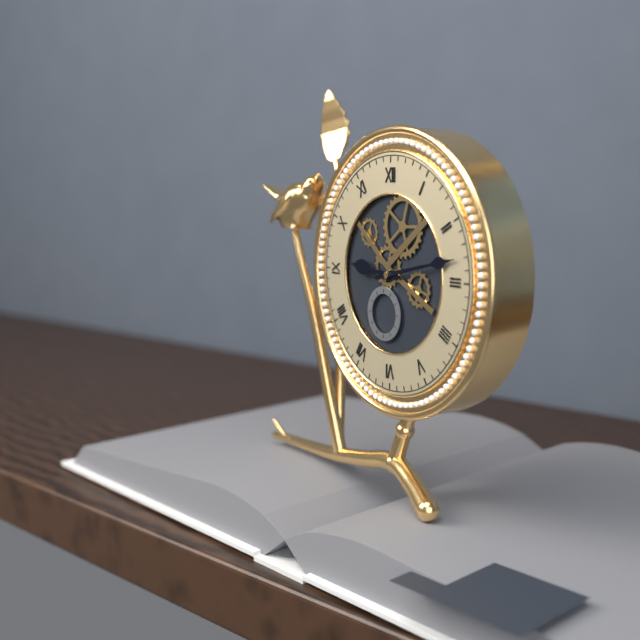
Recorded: h=9 m=13
